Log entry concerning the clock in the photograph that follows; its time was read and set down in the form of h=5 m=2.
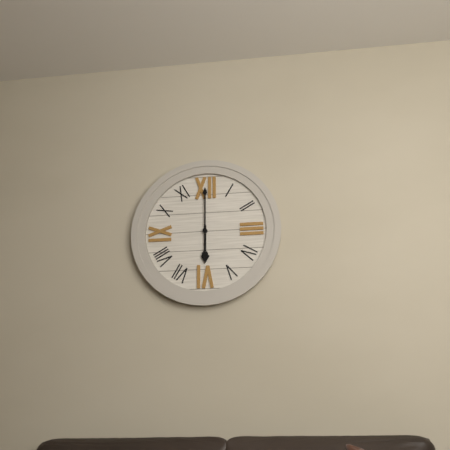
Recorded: h=6 m=0
